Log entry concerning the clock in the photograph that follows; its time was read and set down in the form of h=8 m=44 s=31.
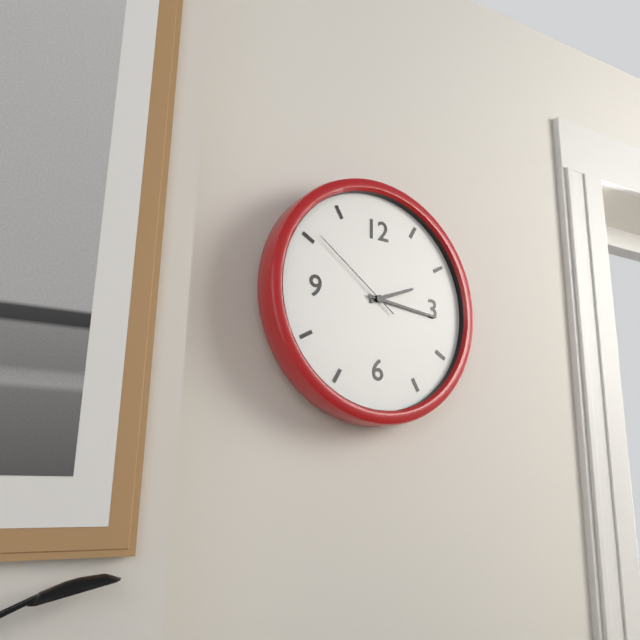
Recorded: h=2 m=16 s=51
